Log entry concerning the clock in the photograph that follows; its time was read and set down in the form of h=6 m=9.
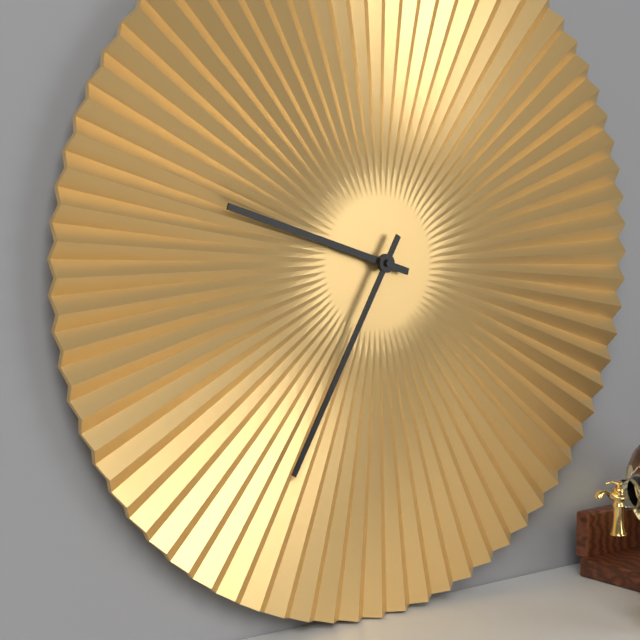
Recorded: h=9 m=35
